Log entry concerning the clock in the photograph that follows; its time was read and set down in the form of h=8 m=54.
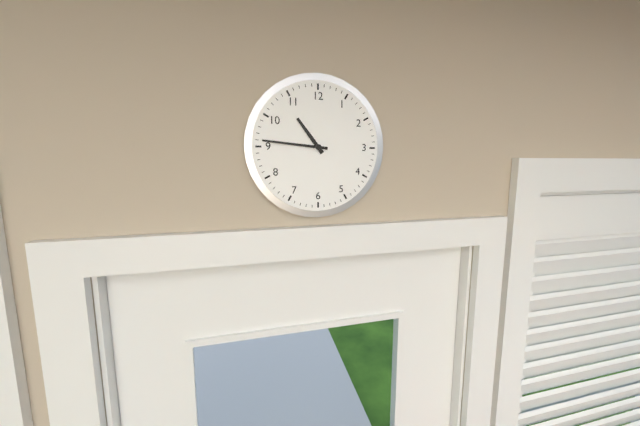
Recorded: h=10 m=46
